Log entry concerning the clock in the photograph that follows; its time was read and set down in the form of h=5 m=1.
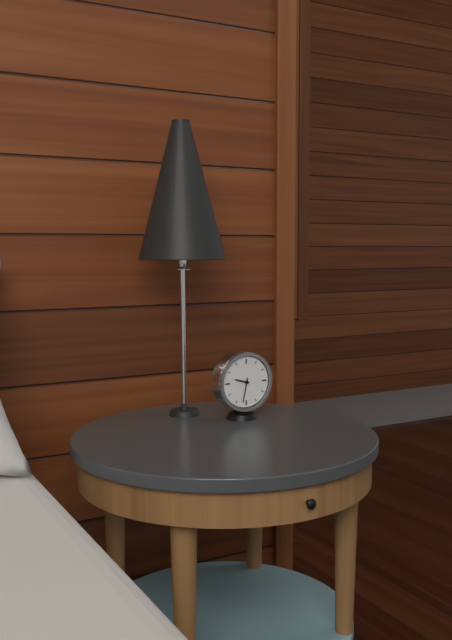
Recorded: h=9 m=32
